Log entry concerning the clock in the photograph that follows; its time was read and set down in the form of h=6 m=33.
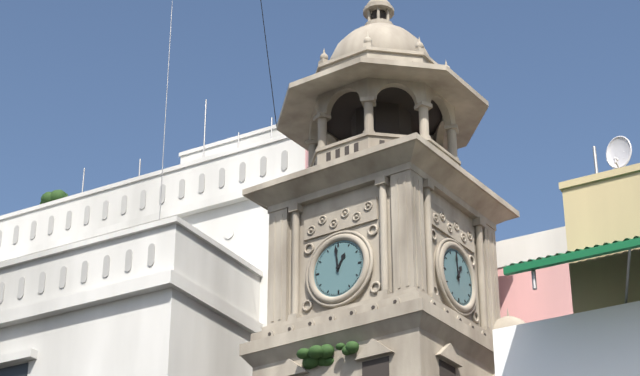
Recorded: h=12 m=59
